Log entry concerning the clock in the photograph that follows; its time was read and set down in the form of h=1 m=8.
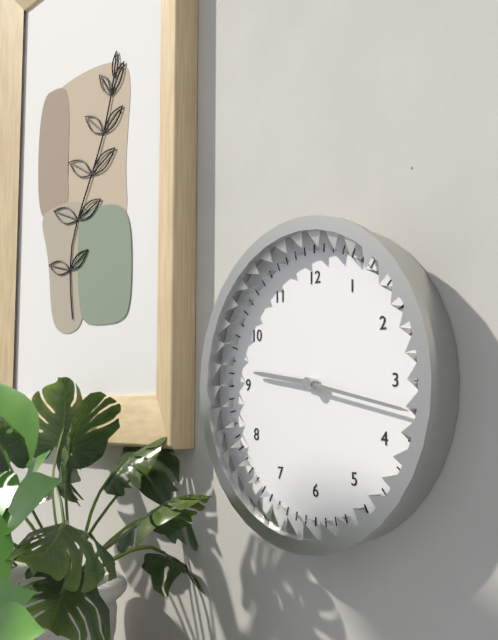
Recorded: h=9 m=17
